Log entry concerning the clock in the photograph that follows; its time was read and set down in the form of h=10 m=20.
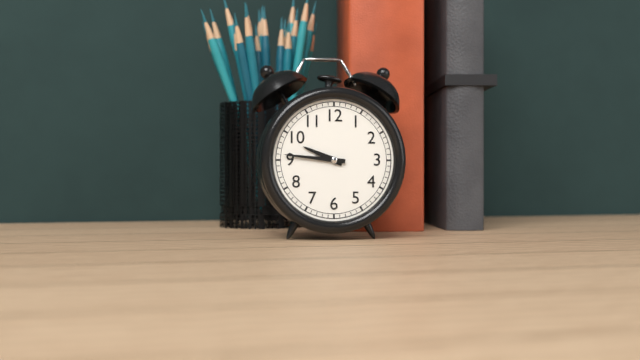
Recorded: h=9 m=46
